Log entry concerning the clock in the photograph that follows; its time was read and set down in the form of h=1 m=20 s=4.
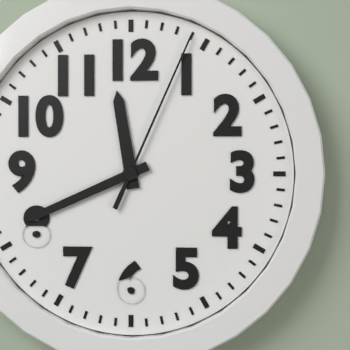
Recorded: h=11 m=41 s=4
